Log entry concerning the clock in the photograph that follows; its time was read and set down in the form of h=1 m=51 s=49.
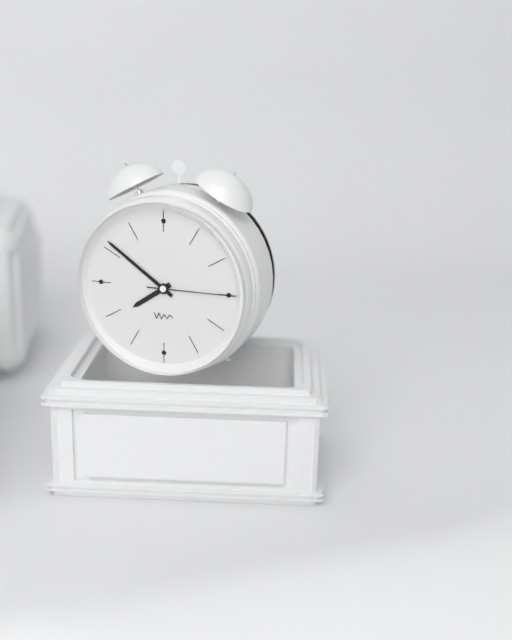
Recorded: h=7 m=51 s=15
